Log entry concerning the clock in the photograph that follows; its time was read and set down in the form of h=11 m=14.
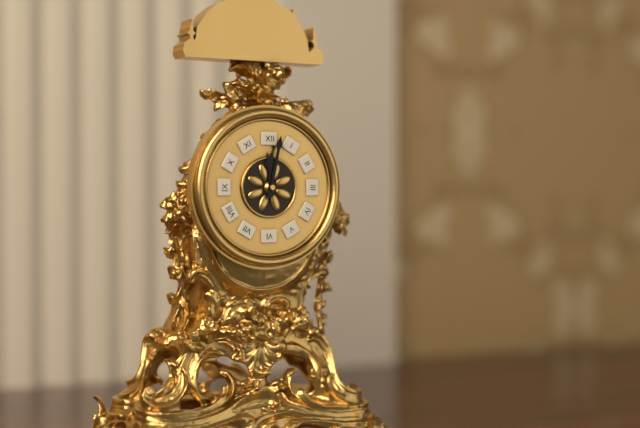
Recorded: h=12 m=2
